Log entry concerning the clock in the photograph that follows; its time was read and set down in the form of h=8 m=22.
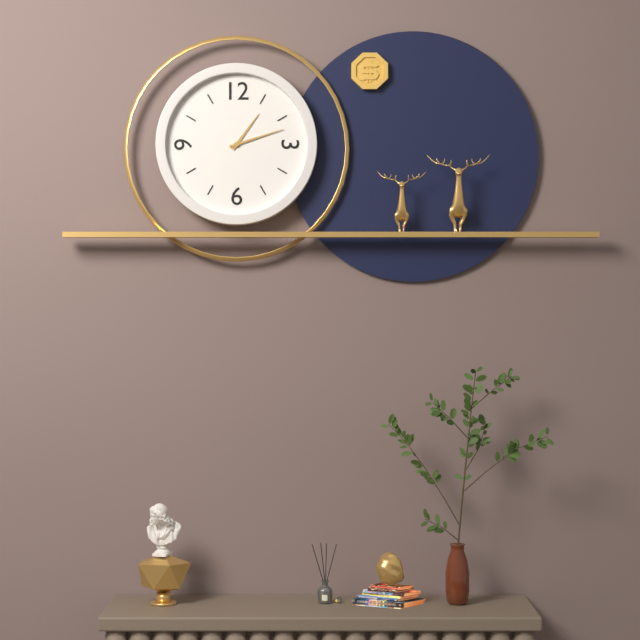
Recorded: h=1 m=12
